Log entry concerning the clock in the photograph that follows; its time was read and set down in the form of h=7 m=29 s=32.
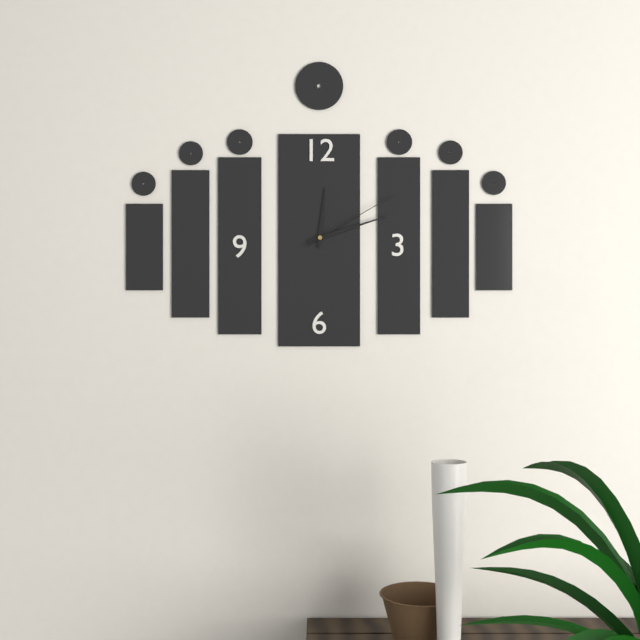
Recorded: h=12 m=12 s=10
